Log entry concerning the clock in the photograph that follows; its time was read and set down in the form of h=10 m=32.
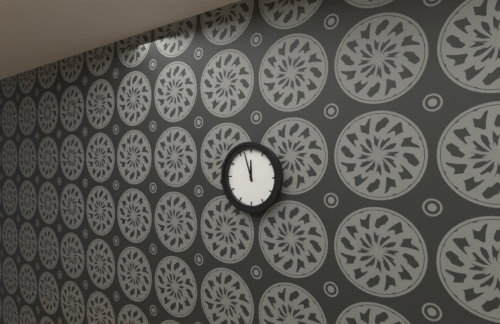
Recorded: h=11 m=57
